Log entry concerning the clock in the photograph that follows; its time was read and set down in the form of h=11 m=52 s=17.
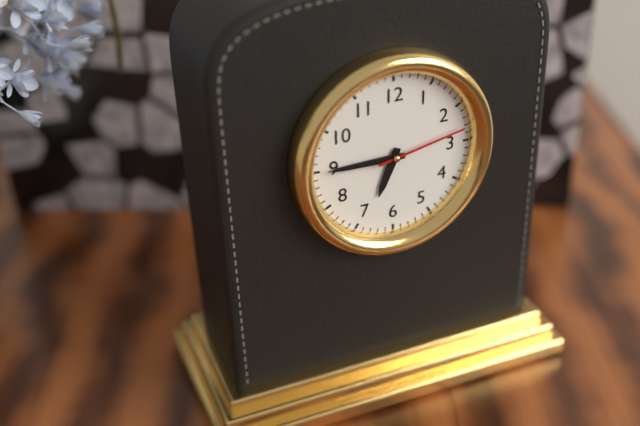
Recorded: h=6 m=45 s=13
